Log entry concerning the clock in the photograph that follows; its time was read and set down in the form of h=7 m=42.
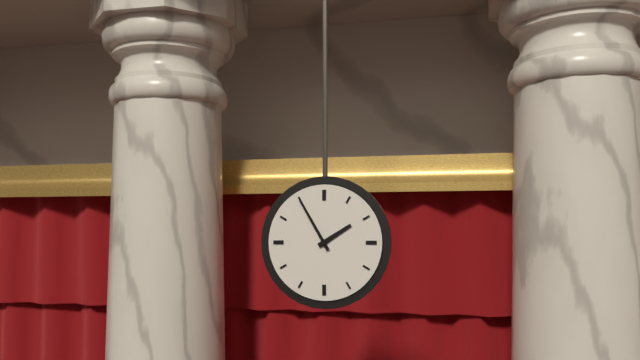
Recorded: h=1 m=55
